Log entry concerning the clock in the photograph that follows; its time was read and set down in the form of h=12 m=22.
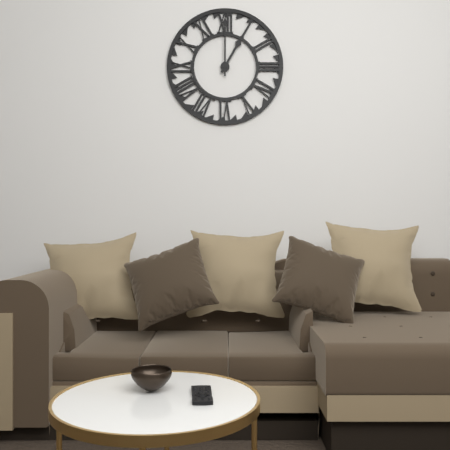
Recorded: h=1 m=0
